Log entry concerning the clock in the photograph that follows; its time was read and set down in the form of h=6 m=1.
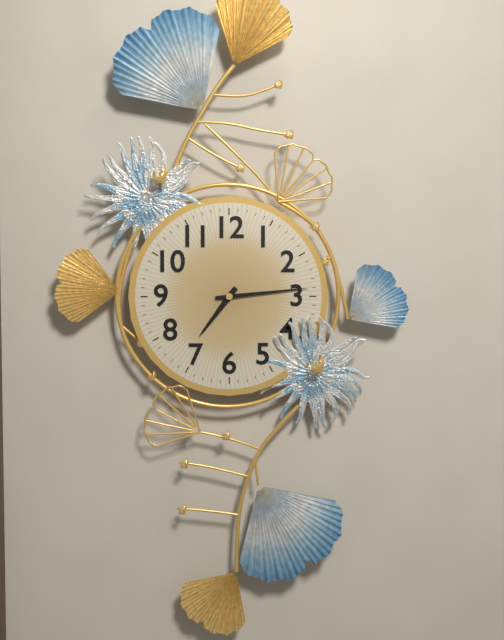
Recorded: h=7 m=14
